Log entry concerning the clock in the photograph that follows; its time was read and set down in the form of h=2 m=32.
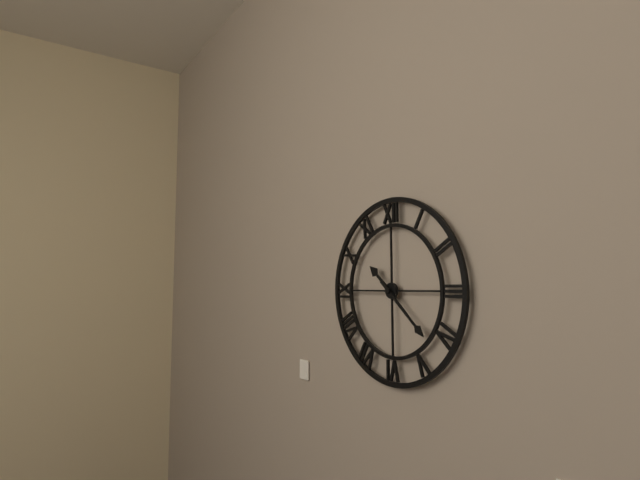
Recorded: h=10 m=22
